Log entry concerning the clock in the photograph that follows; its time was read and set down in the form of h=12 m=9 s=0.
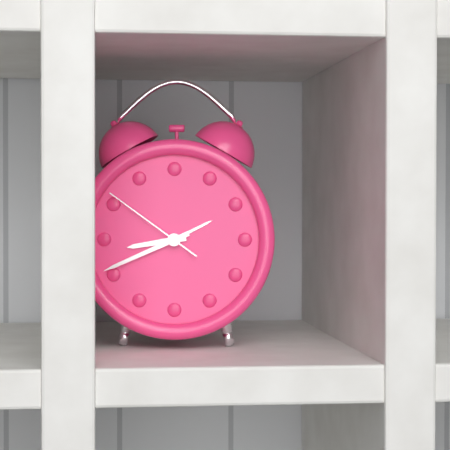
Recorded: h=8 m=41 s=51
